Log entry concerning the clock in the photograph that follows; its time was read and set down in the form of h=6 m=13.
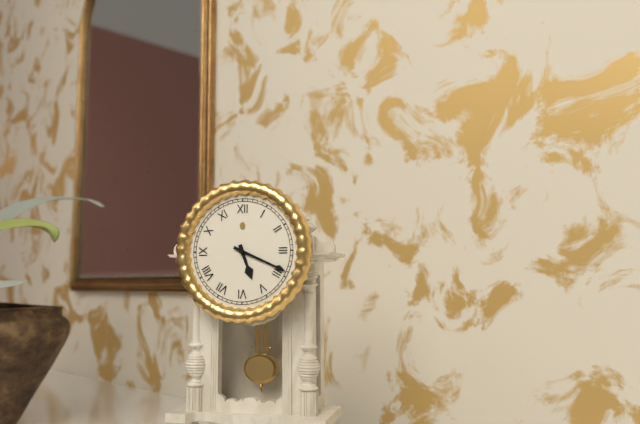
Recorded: h=5 m=19
